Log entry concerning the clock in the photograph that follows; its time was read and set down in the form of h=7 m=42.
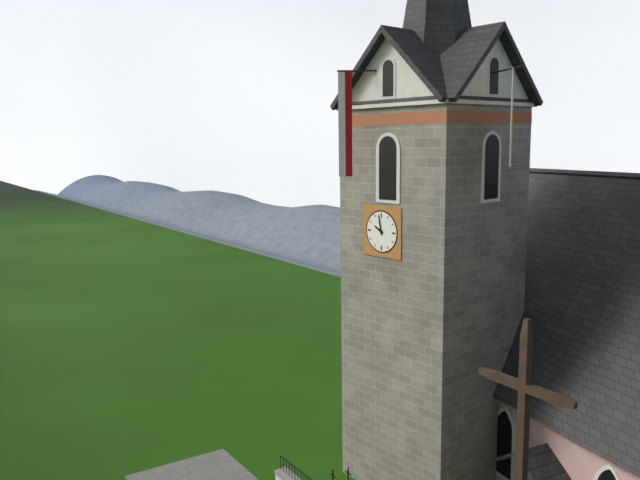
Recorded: h=9 m=58
